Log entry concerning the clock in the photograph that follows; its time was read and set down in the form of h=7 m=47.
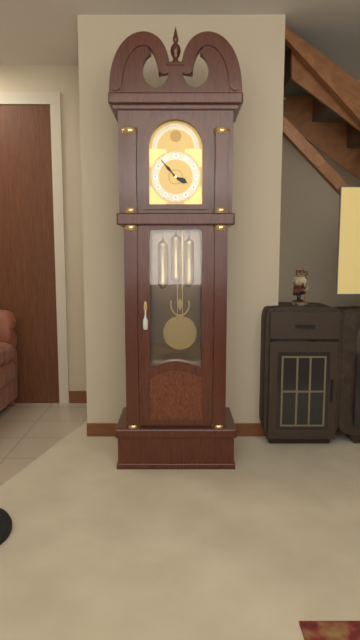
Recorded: h=3 m=53
